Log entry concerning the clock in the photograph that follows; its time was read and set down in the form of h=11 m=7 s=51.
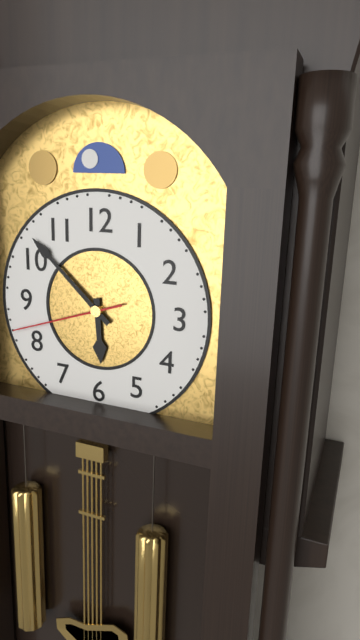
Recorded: h=5 m=52 s=42
